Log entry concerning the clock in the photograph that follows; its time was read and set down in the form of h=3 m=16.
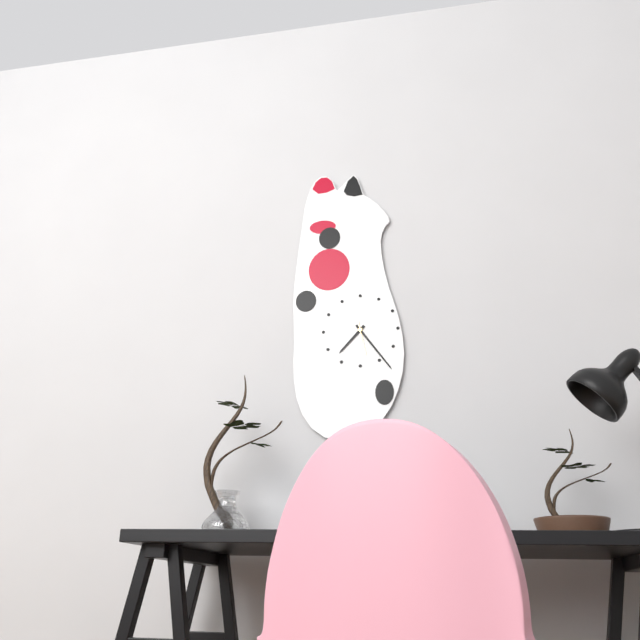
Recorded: h=7 m=24
